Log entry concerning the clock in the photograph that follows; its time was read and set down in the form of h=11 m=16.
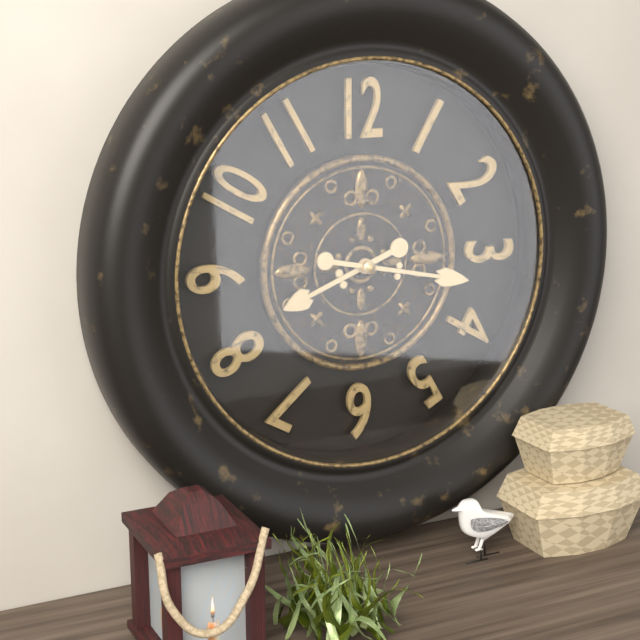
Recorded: h=8 m=17
